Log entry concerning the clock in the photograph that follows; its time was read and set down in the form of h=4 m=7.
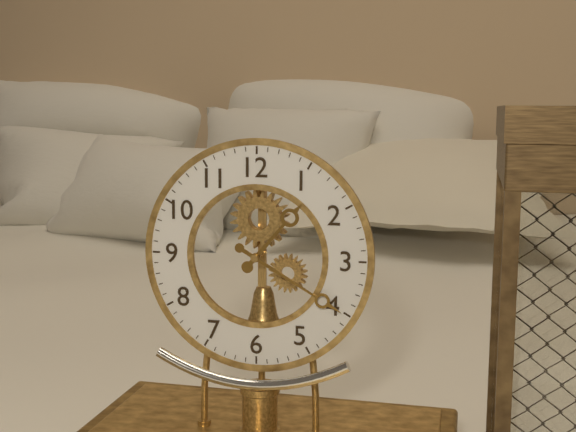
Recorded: h=1 m=20
